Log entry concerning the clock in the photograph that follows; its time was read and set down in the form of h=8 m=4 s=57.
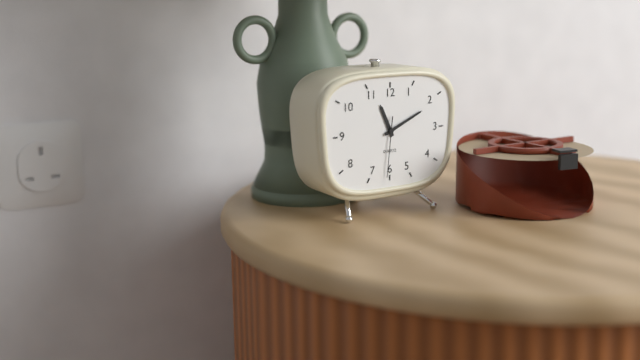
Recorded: h=11 m=11 s=31
